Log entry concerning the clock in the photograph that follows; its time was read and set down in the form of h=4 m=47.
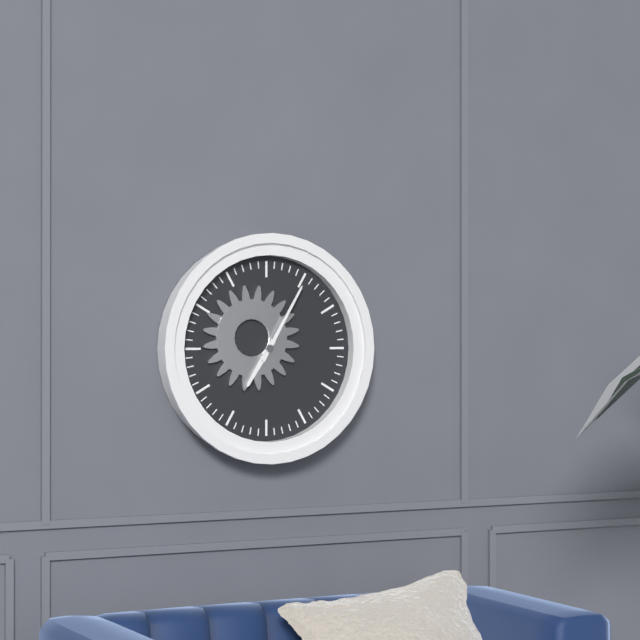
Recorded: h=7 m=5
